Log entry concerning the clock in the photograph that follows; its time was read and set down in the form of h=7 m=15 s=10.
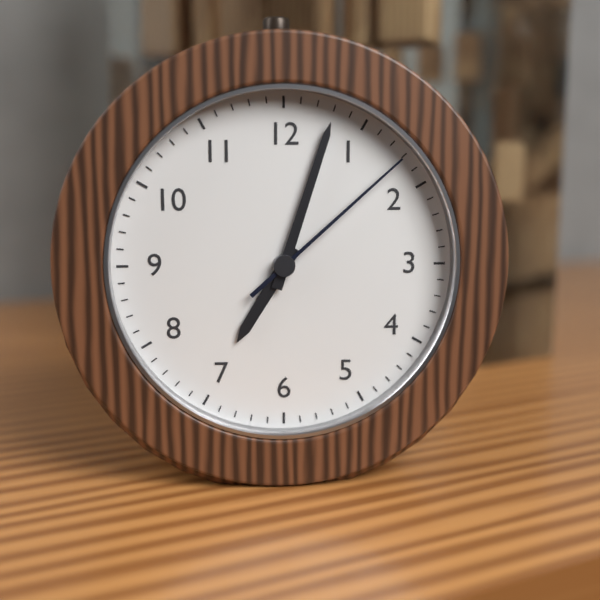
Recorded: h=7 m=3 s=8
